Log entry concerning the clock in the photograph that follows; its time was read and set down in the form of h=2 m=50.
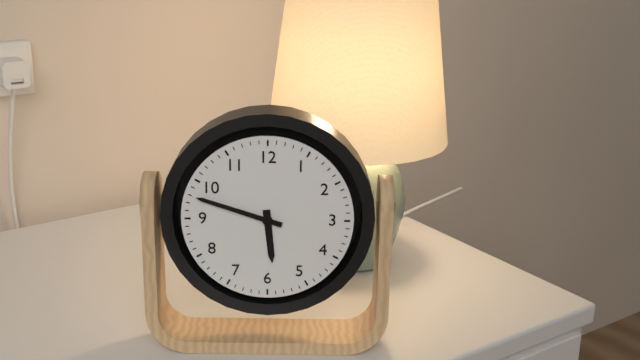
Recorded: h=5 m=48
